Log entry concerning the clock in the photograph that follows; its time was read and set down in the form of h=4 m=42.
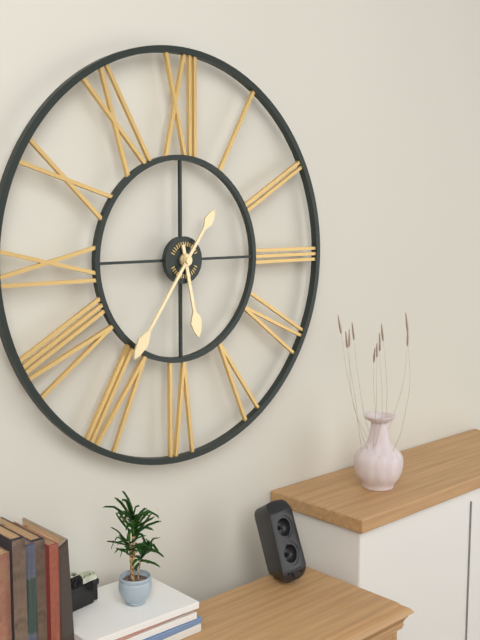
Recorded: h=5 m=36
